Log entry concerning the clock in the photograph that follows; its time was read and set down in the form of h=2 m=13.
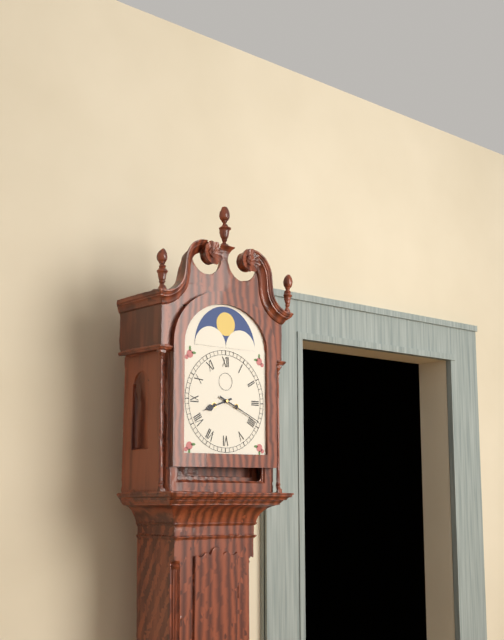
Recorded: h=8 m=19
